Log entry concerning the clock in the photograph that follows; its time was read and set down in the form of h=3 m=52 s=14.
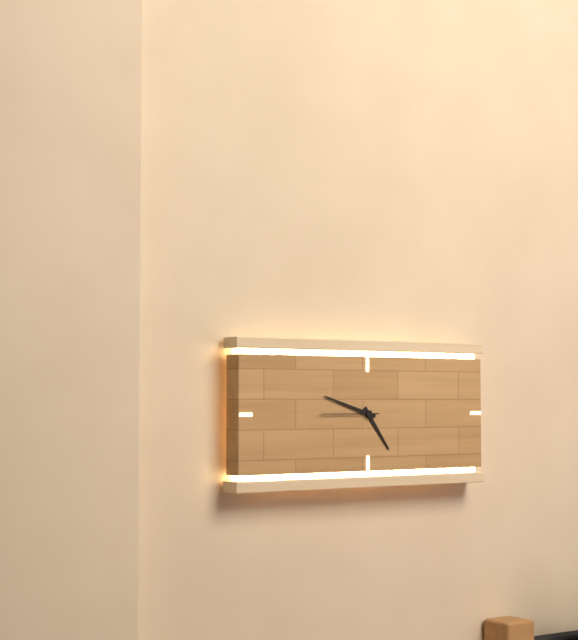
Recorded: h=4 m=48 s=45
